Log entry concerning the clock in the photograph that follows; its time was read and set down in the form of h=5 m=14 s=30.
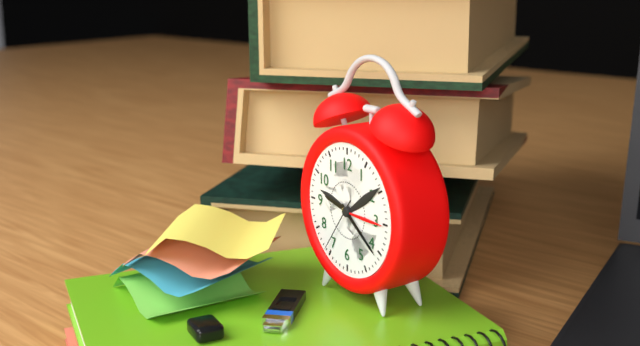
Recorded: h=9 m=21 s=36
